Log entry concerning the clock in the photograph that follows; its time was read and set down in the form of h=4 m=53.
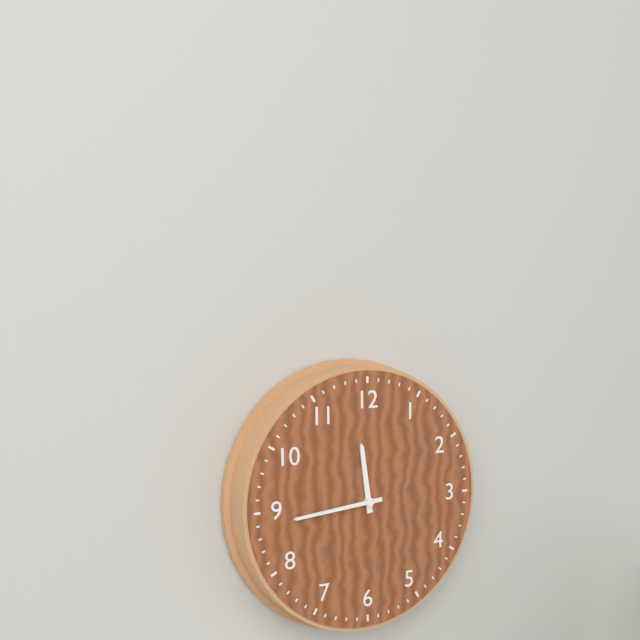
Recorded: h=11 m=44
